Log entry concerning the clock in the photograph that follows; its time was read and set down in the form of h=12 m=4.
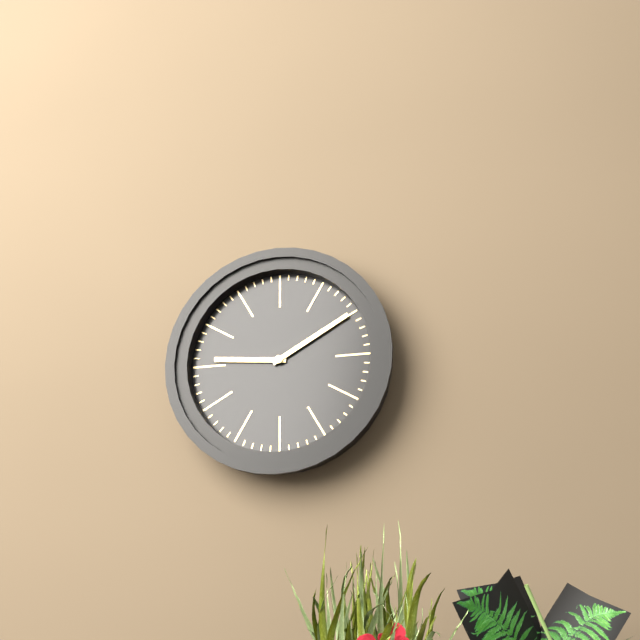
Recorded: h=9 m=10
